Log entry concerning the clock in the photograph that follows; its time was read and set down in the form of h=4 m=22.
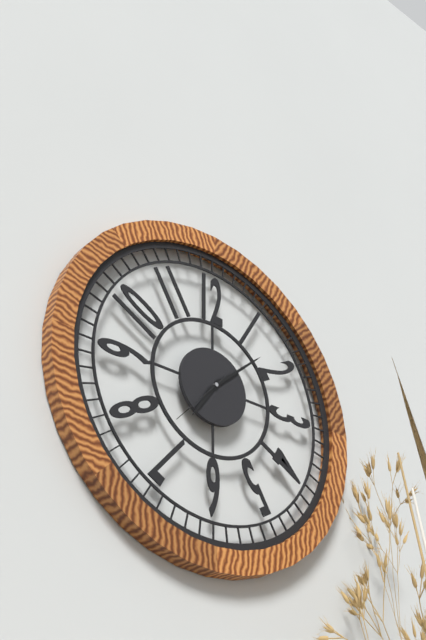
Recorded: h=7 m=8
